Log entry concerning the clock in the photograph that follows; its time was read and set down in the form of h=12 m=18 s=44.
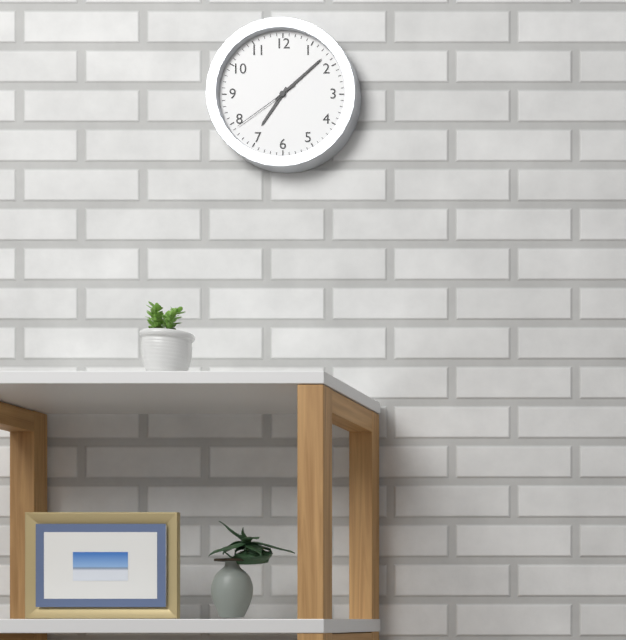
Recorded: h=7 m=8 s=39
